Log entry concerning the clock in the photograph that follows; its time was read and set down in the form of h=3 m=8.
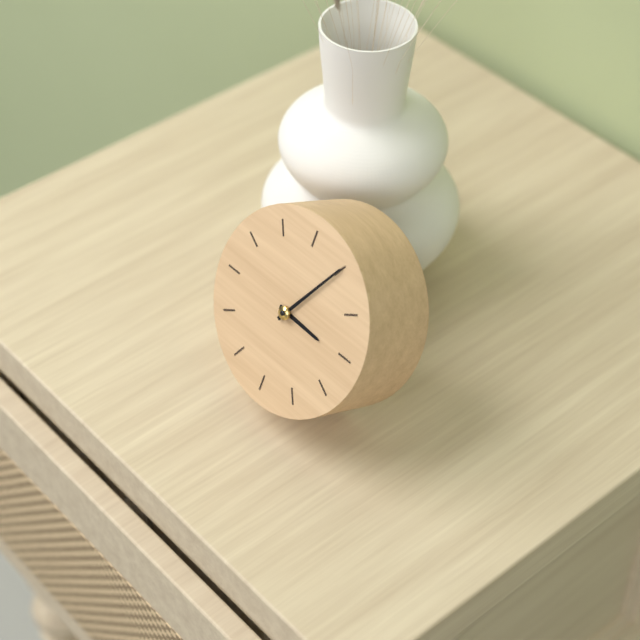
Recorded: h=3 m=5
